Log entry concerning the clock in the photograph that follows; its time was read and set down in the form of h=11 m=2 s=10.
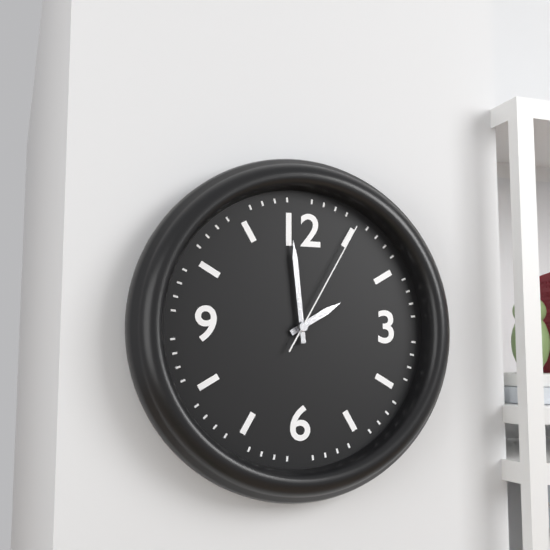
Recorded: h=1 m=59 s=5
